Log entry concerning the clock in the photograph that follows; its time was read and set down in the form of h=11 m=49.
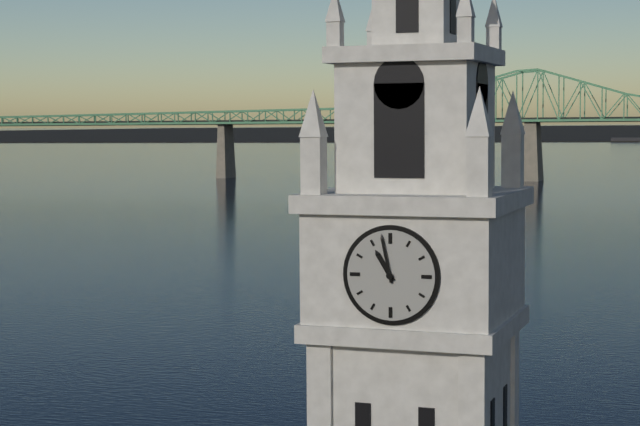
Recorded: h=10 m=58
